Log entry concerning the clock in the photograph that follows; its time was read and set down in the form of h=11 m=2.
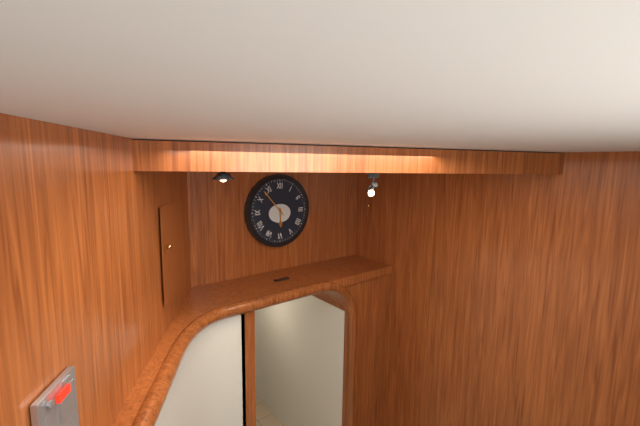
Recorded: h=5 m=53
